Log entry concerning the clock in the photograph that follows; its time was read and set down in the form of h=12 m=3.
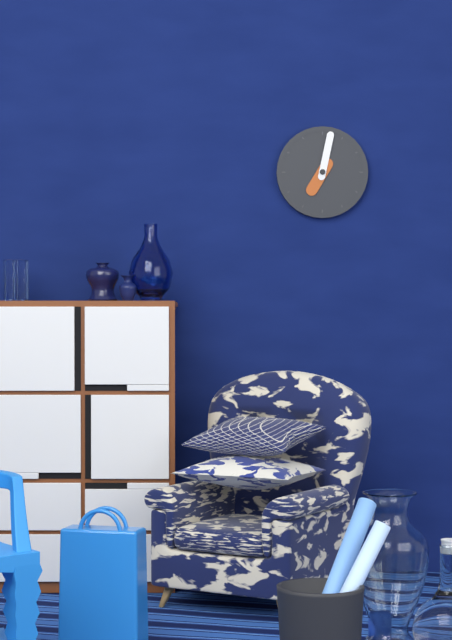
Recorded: h=7 m=2
